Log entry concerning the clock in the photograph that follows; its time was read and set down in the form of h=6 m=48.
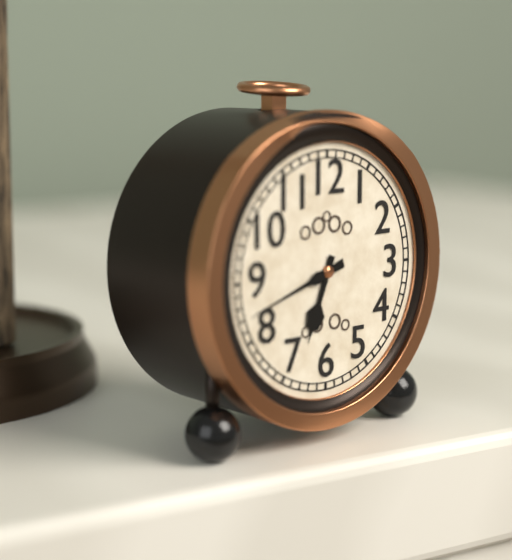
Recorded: h=6 m=42
